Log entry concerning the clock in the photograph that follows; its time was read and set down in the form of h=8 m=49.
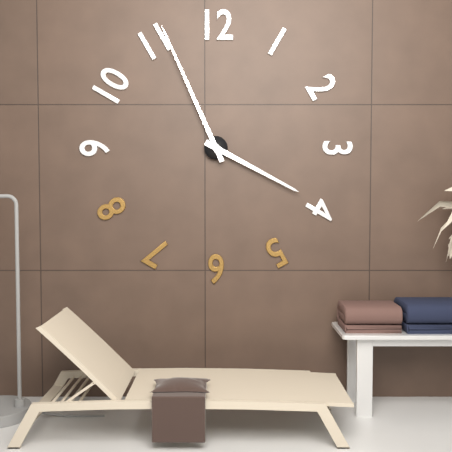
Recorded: h=3 m=56
